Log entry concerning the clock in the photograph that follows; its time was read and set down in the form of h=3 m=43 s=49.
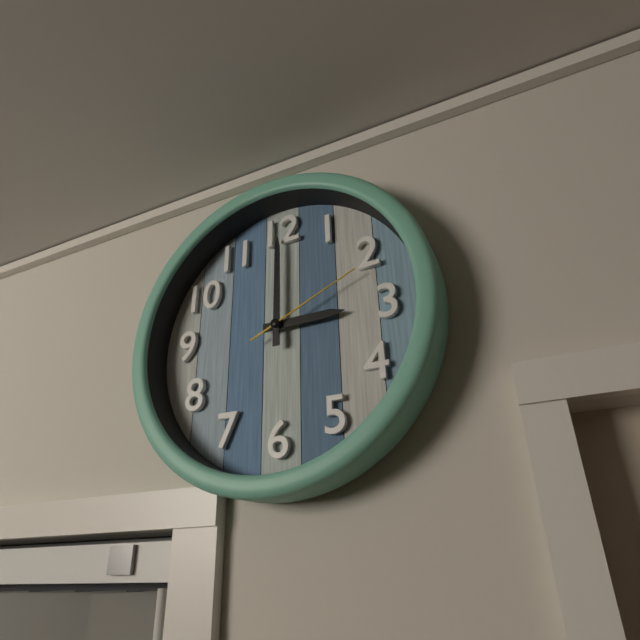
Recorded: h=3 m=0 s=11
